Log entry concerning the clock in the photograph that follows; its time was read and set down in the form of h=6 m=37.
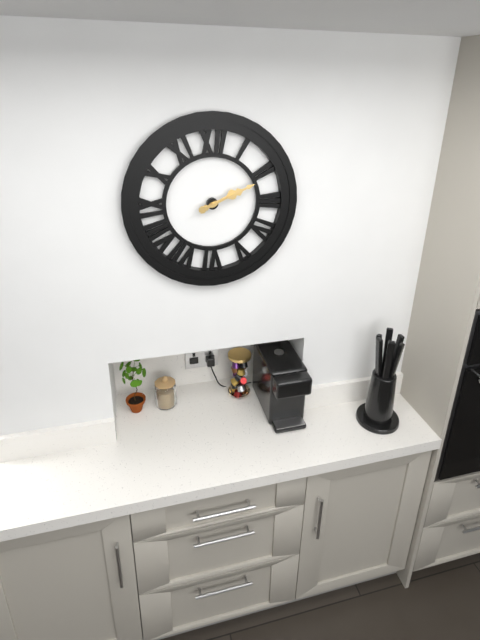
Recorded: h=2 m=11
